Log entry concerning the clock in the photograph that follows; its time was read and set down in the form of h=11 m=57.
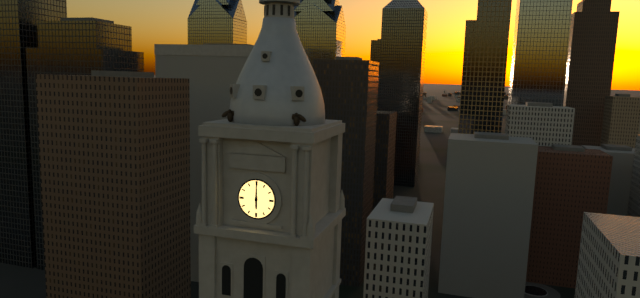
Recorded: h=6 m=0
